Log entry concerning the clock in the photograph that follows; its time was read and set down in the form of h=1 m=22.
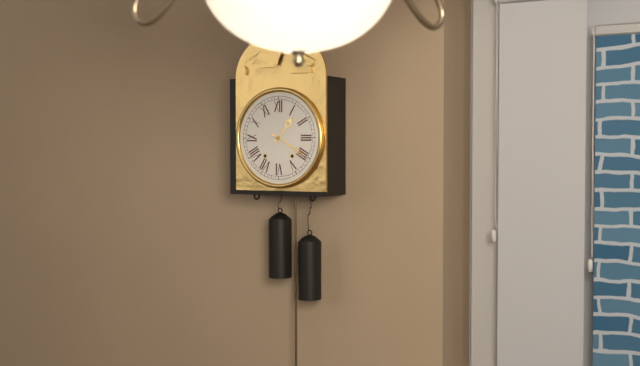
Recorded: h=1 m=20
